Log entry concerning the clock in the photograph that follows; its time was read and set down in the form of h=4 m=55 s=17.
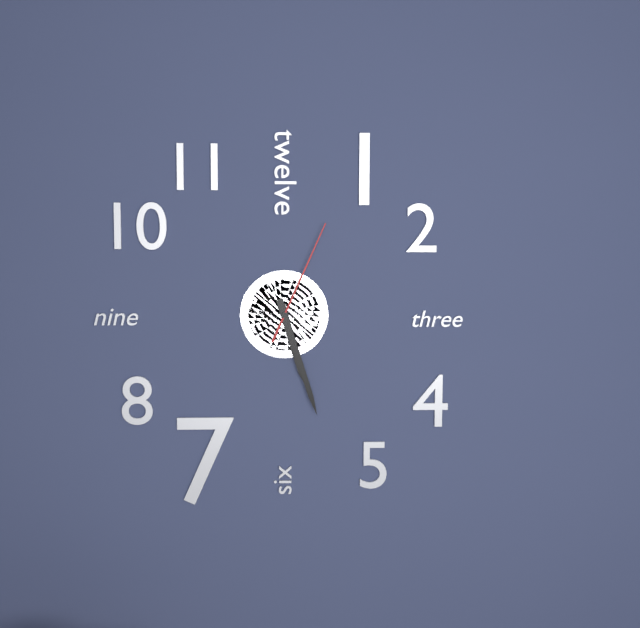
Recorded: h=5 m=27 s=4
